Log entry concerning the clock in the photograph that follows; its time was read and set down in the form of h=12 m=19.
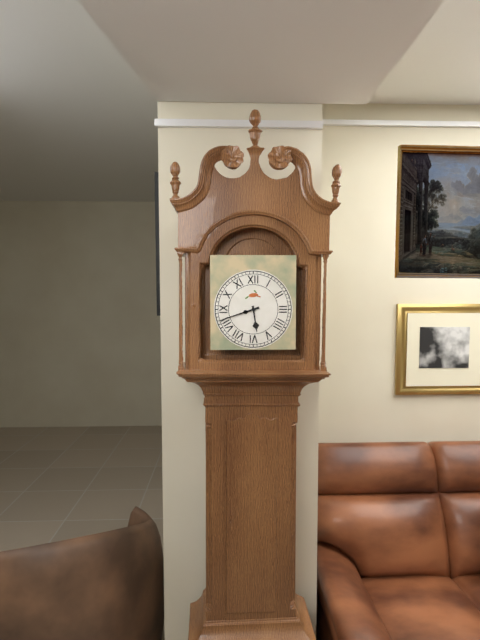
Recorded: h=5 m=42
